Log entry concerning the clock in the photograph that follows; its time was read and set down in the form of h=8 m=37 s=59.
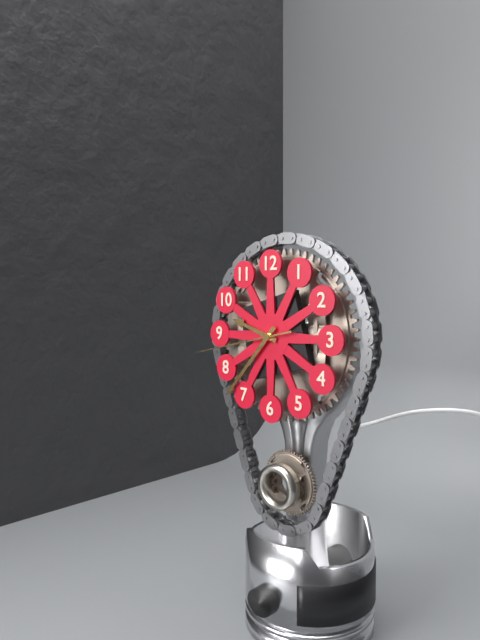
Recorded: h=9 m=37 s=43
